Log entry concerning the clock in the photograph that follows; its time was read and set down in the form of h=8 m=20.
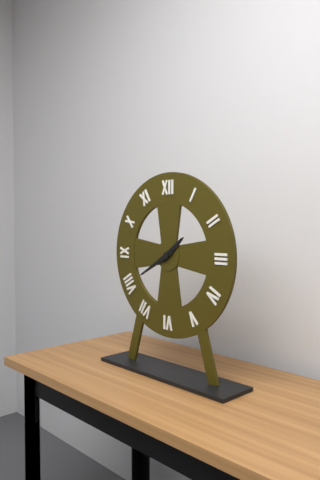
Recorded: h=1 m=40
